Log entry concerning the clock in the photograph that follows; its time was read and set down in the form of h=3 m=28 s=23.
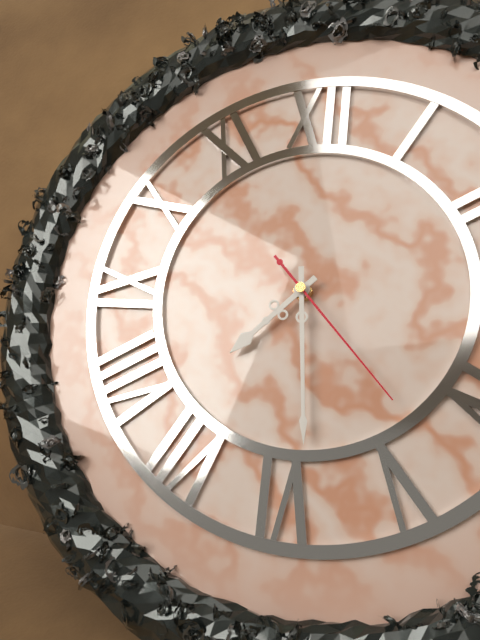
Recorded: h=7 m=29 s=23
